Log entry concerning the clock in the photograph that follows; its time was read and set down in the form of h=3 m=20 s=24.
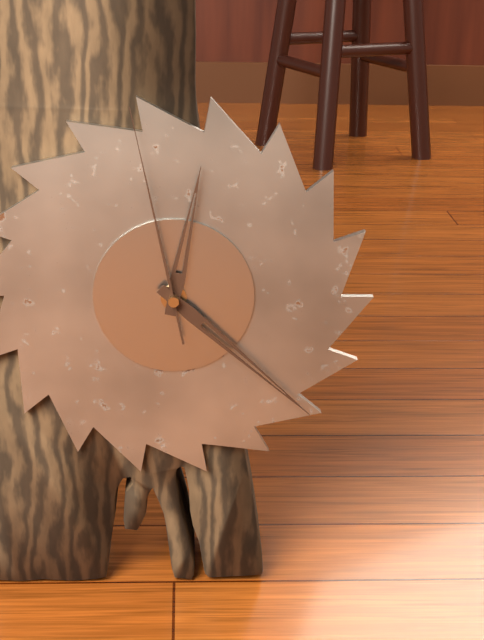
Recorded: h=12 m=22 s=58
